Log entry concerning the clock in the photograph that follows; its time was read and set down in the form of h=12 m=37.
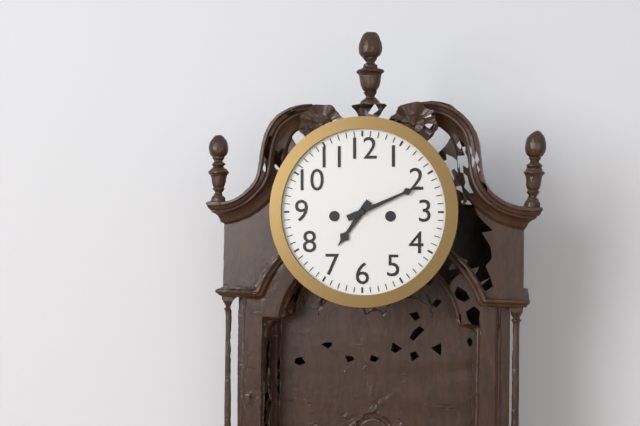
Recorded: h=7 m=11
